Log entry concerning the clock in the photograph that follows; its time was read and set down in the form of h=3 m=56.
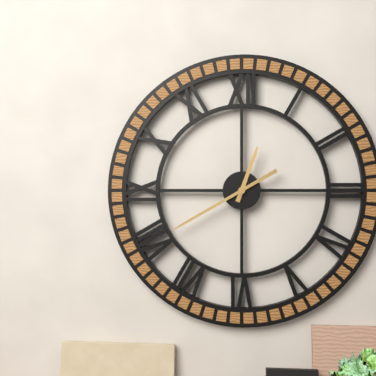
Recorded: h=12 m=40
